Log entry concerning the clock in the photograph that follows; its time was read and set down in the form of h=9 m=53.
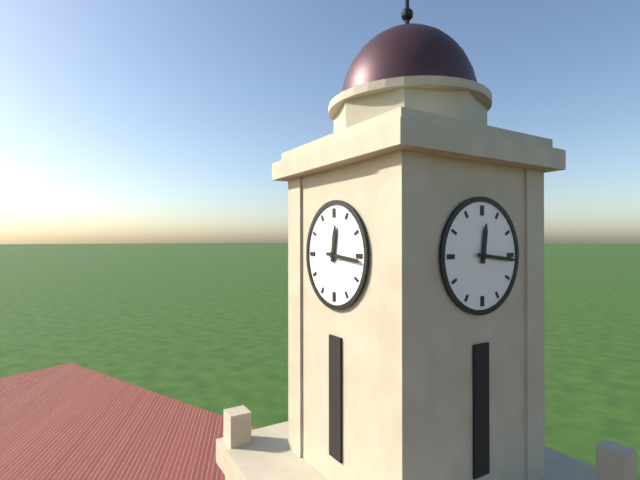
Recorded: h=12 m=16
